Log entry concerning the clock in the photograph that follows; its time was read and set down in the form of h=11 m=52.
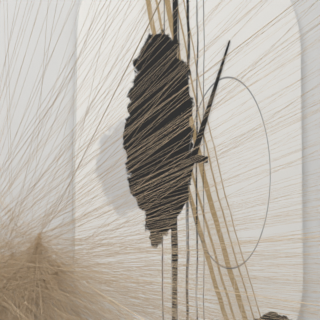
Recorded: h=9 m=3
